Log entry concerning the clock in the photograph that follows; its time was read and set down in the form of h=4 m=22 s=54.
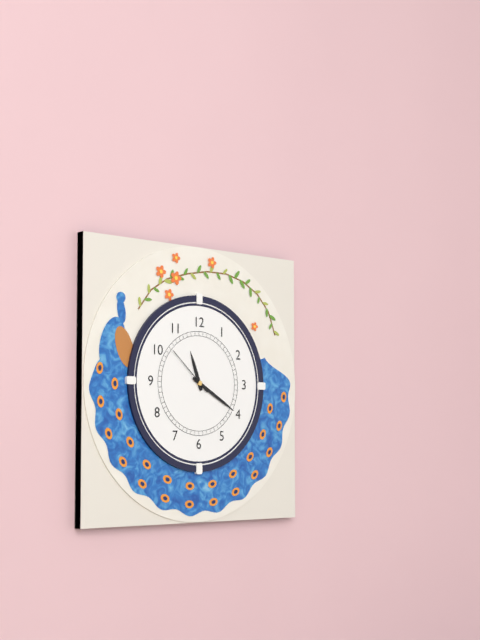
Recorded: h=11 m=20 s=52
